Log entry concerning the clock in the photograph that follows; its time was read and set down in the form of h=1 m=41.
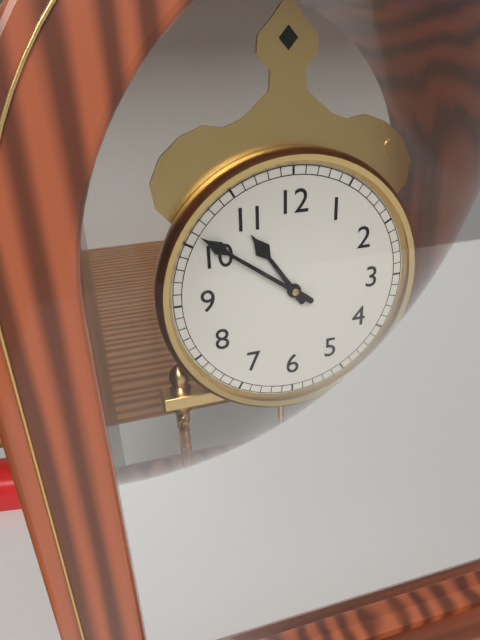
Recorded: h=10 m=51
